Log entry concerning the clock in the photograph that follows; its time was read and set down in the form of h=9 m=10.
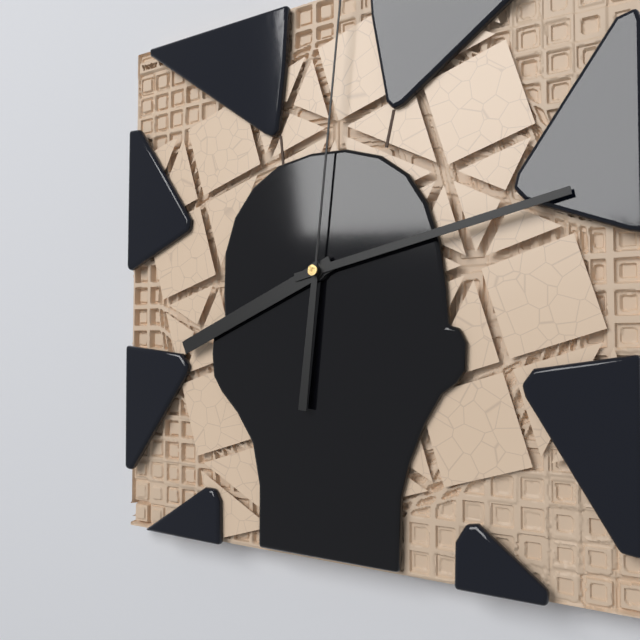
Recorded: h=8 m=13
